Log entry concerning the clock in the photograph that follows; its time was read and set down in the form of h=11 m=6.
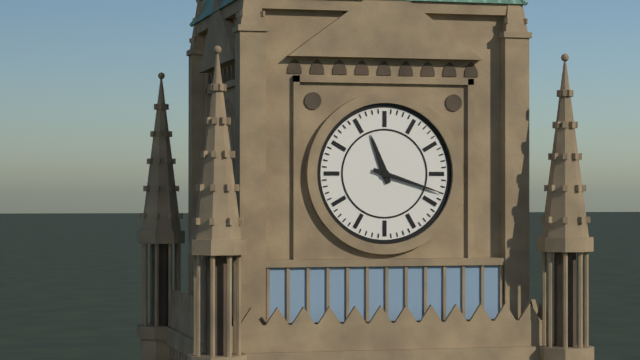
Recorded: h=11 m=18
